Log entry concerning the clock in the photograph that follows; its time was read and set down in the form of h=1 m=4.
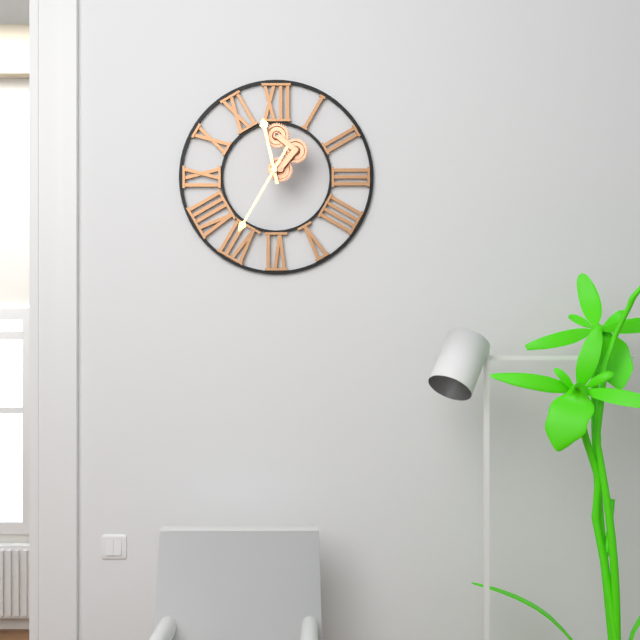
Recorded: h=11 m=35
